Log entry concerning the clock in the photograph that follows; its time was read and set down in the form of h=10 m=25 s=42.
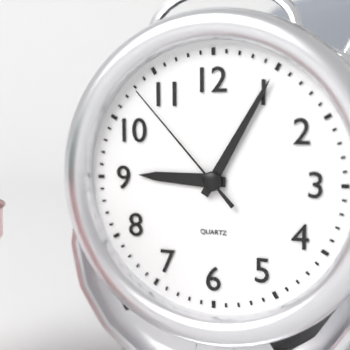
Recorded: h=9 m=5 s=53
